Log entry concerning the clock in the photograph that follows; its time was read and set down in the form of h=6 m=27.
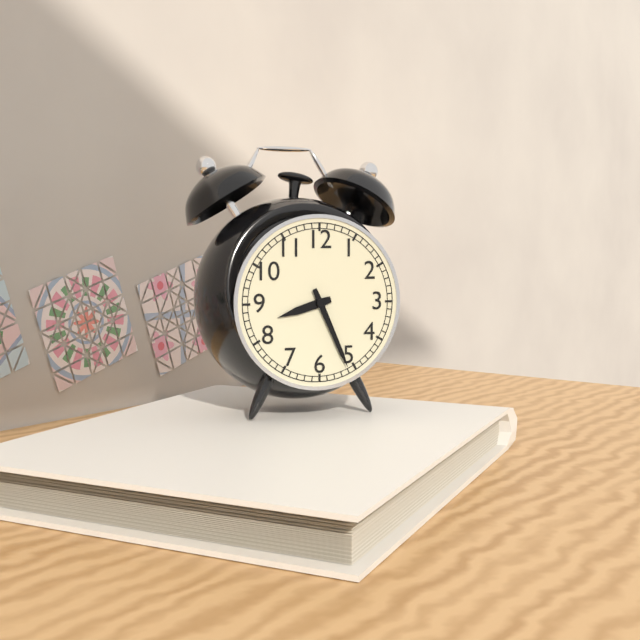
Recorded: h=8 m=26
